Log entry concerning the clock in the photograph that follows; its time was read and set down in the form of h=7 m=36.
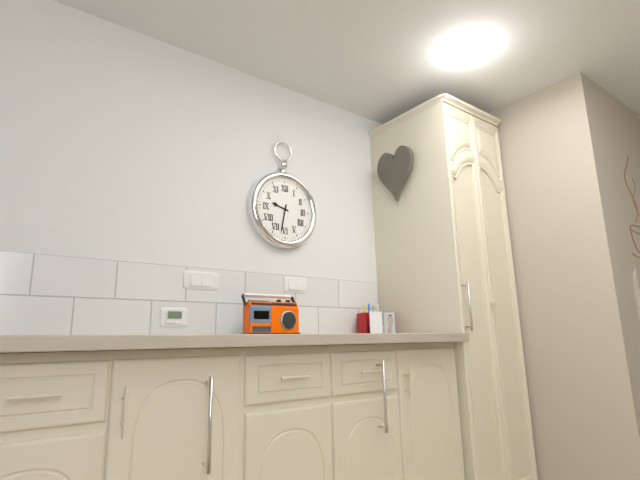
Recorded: h=9 m=32
